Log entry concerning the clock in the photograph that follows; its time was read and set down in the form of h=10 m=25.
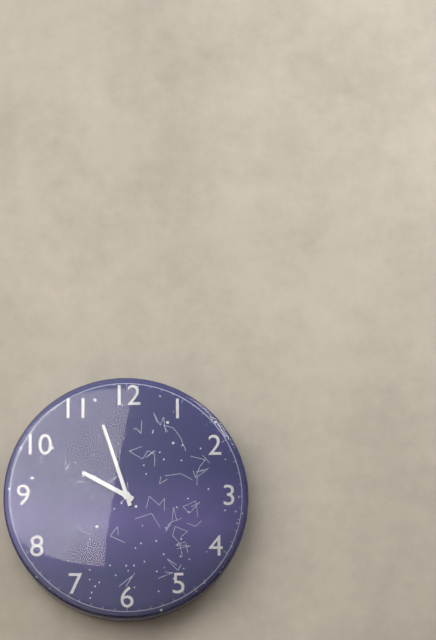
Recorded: h=9 m=57
